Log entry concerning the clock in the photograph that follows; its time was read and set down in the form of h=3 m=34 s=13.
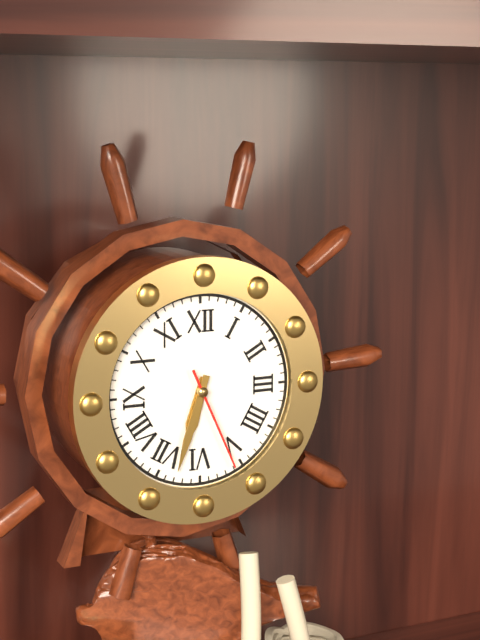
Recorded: h=6 m=33 s=26
